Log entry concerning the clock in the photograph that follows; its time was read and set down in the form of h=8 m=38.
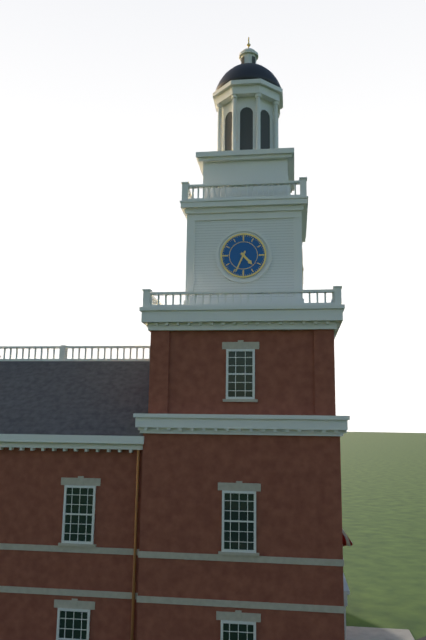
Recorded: h=4 m=34
